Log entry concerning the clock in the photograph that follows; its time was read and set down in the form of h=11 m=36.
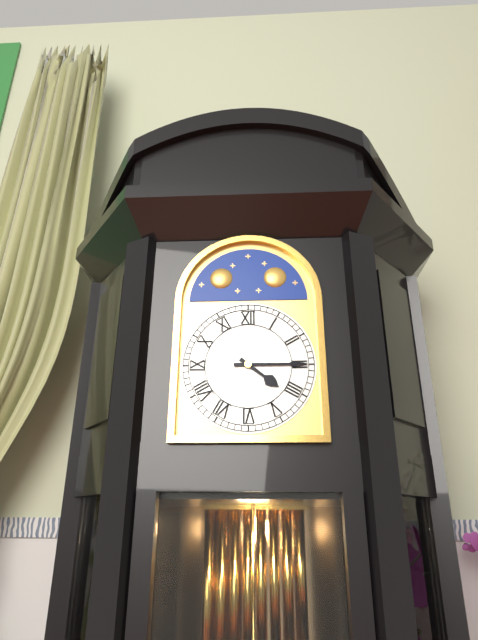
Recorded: h=4 m=15
